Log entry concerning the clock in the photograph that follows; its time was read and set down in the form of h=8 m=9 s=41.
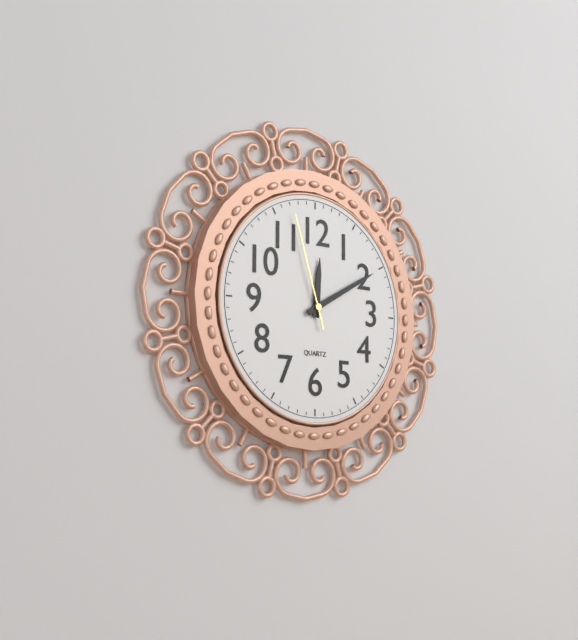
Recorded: h=12 m=10 s=57
